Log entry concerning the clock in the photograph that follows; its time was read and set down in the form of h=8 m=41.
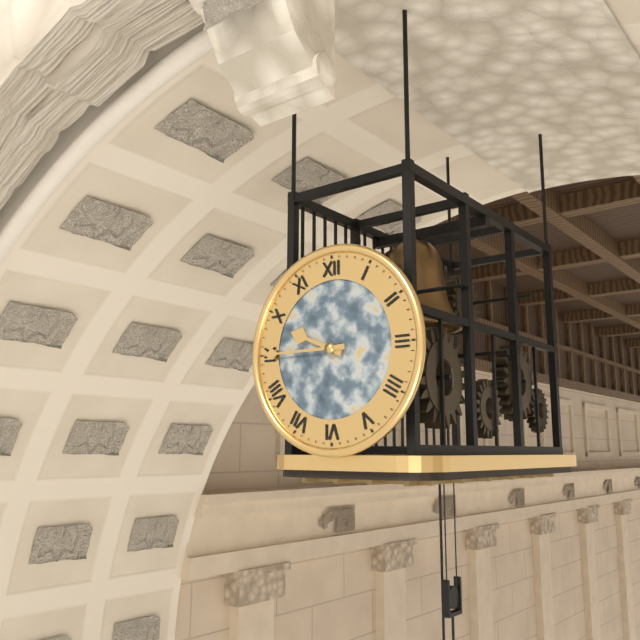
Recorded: h=9 m=45
